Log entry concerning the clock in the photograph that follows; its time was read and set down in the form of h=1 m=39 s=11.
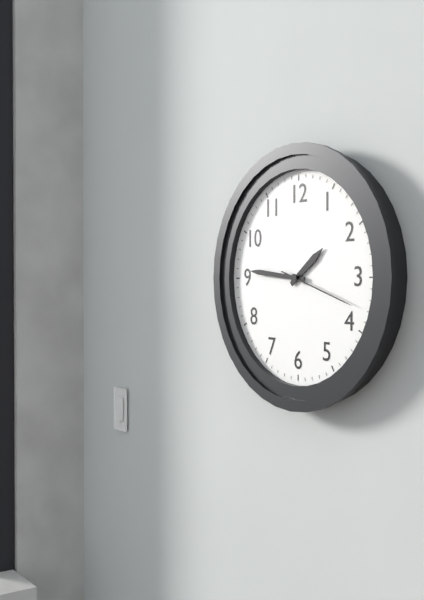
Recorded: h=1 m=46 s=18
